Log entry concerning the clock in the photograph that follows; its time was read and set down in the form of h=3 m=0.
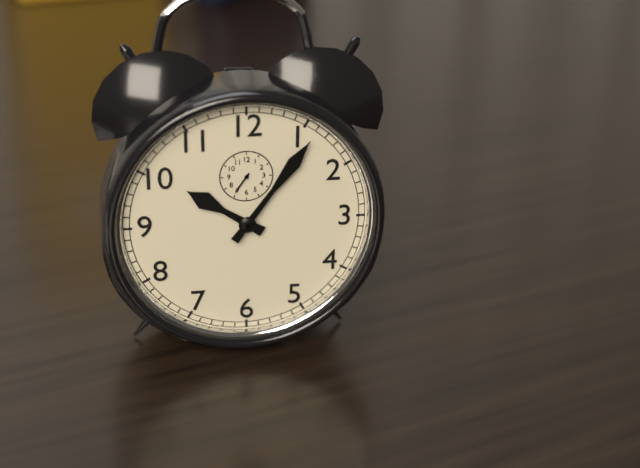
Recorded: h=10 m=6
